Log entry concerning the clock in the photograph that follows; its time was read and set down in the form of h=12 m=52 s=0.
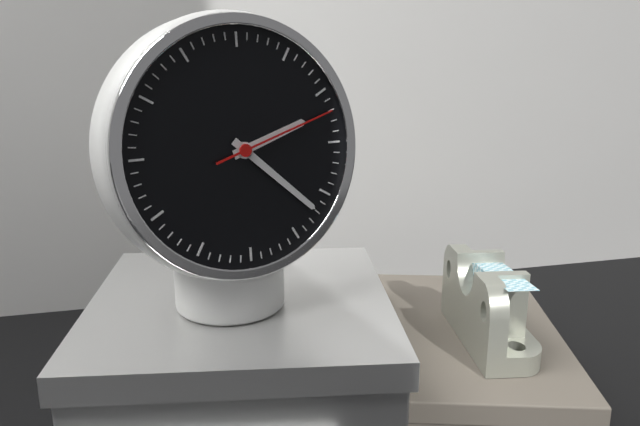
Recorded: h=2 m=22 s=12
